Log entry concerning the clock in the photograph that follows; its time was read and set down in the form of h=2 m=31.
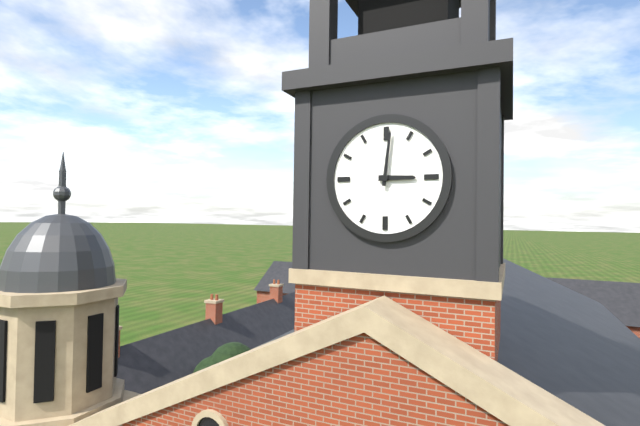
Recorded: h=3 m=1
